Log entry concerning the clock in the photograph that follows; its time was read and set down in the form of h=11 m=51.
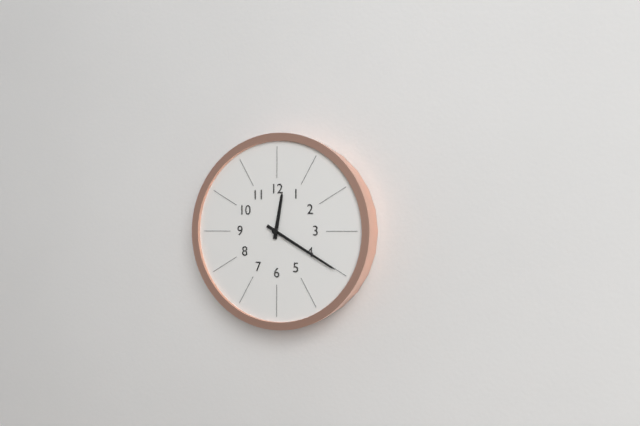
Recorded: h=12 m=20
